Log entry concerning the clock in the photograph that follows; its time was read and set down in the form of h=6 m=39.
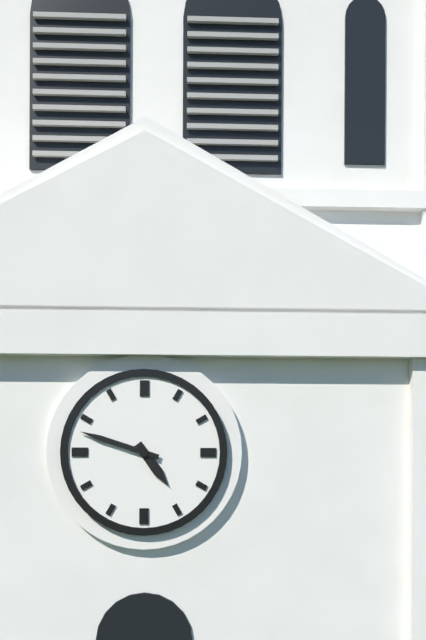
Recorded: h=4 m=48
